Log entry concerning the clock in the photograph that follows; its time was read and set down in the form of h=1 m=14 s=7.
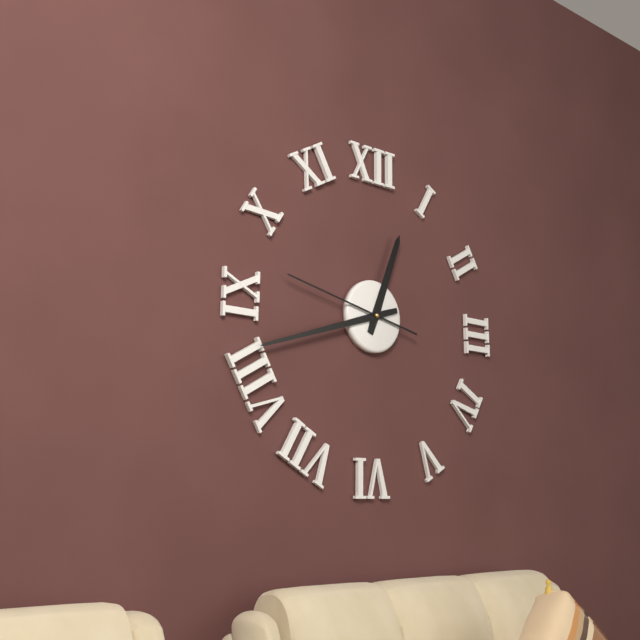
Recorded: h=12 m=42 s=47
